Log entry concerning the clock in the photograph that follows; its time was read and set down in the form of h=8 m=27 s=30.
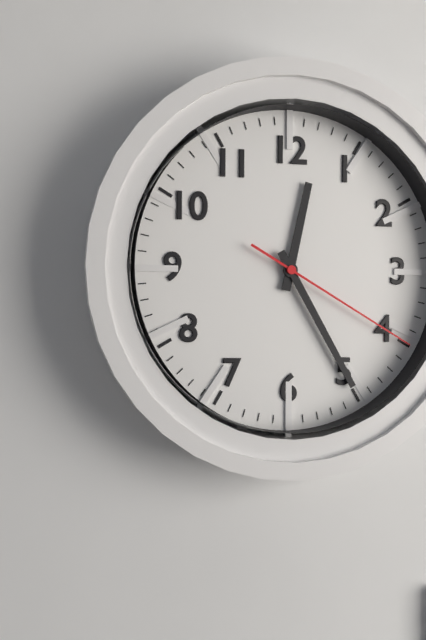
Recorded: h=12 m=25 s=20
